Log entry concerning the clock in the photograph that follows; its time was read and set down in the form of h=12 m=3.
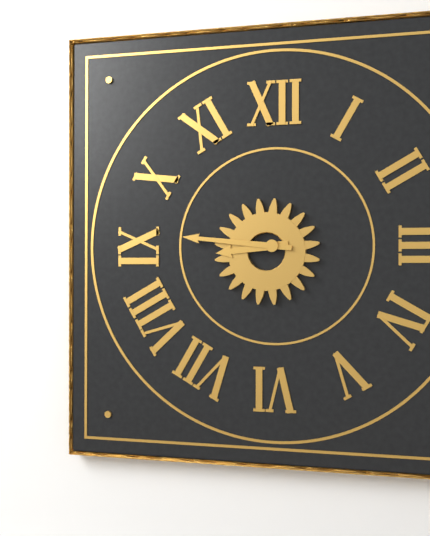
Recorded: h=8 m=46
